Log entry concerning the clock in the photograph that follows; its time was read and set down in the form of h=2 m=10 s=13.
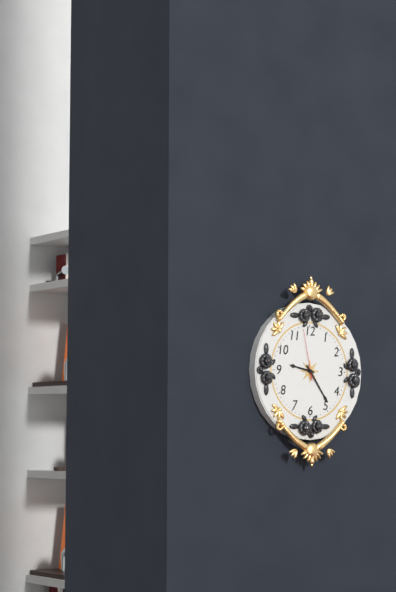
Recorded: h=9 m=24 s=58
